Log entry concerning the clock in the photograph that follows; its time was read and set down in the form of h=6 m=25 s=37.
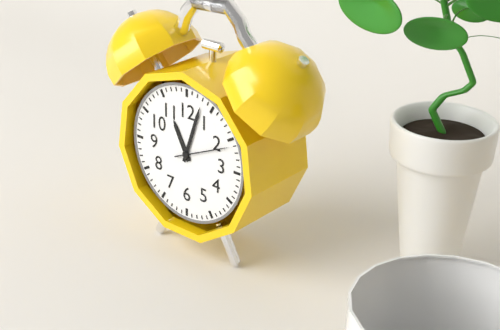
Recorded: h=11 m=3 s=11
